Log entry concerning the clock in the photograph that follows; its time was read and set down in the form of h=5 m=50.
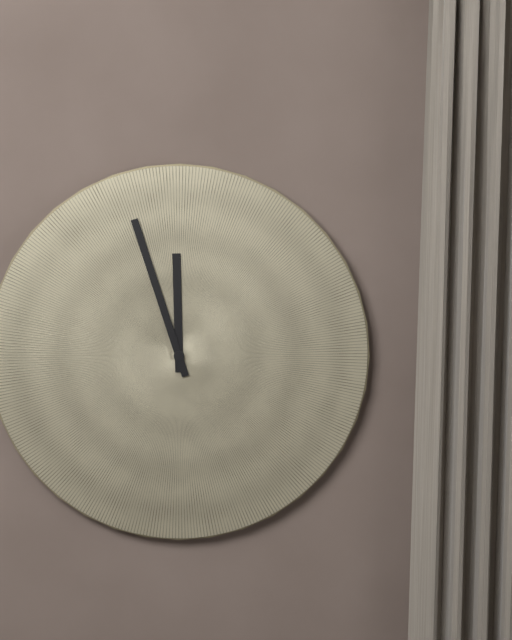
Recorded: h=11 m=57
